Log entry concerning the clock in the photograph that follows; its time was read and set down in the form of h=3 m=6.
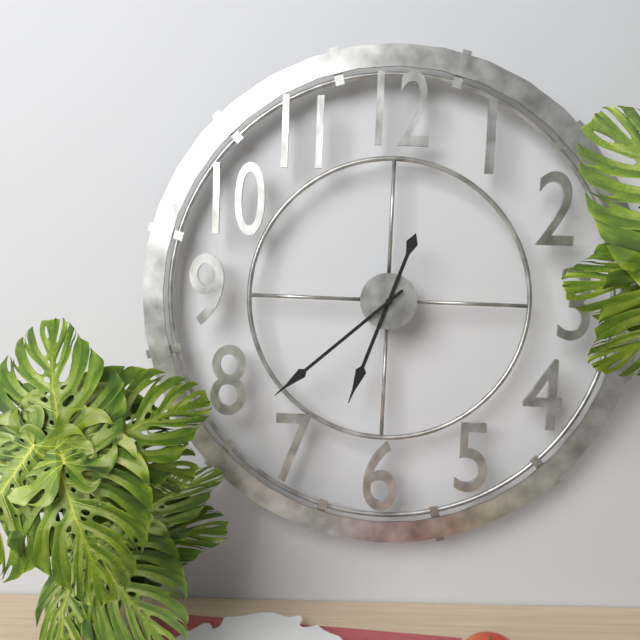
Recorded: h=6 m=38
